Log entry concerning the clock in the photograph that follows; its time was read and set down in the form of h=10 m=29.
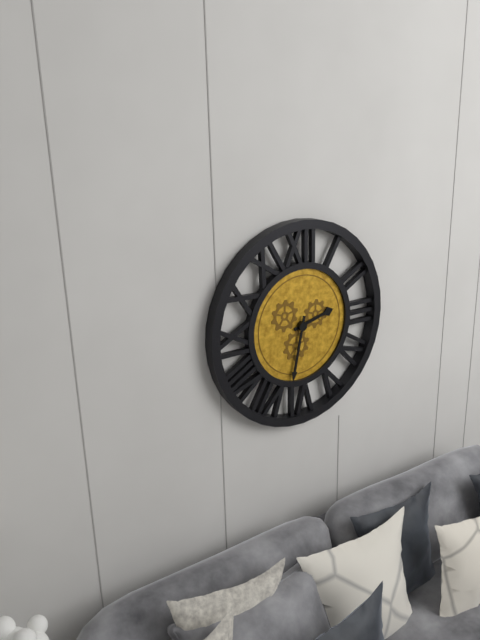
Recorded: h=2 m=32
